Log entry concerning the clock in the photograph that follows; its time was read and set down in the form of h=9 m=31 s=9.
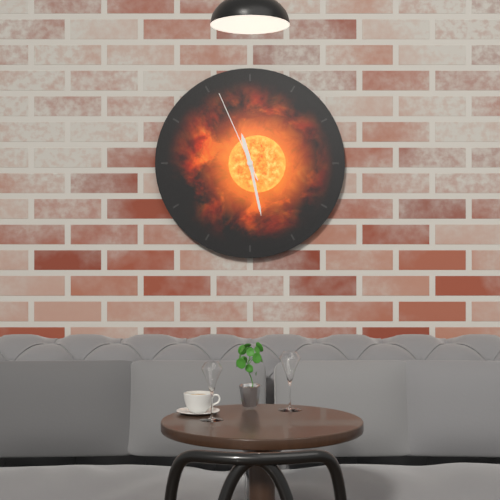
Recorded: h=11 m=28 s=56
